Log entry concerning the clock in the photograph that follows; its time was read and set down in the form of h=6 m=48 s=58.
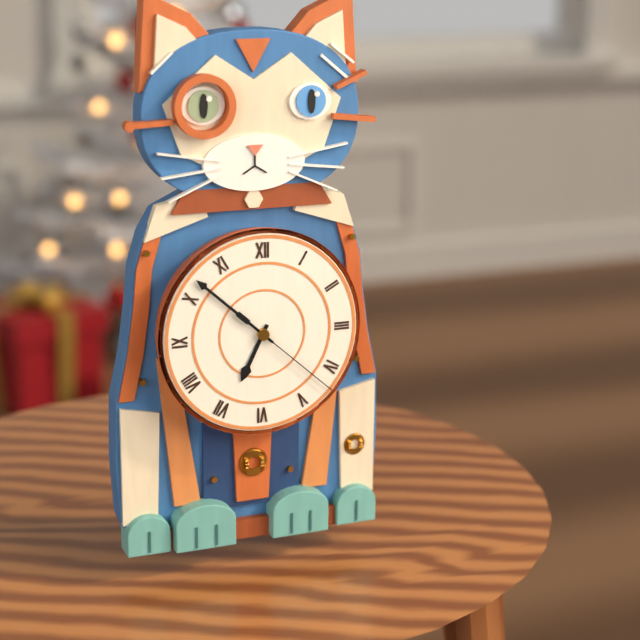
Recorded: h=6 m=52 s=22
